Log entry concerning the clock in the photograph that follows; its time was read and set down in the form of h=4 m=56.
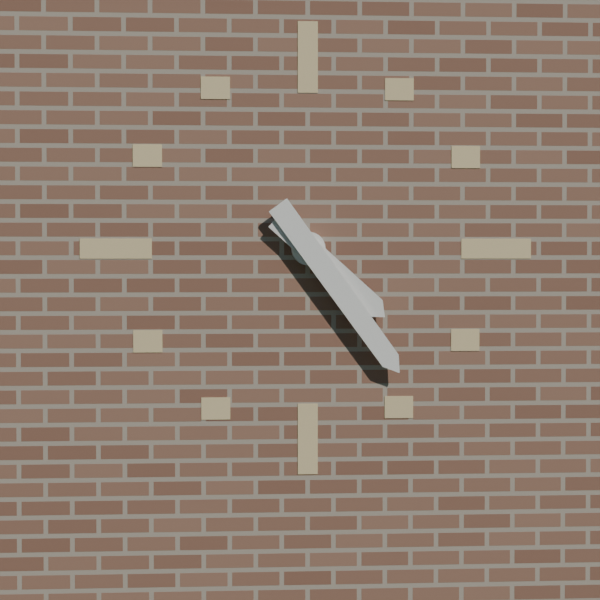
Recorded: h=4 m=24
